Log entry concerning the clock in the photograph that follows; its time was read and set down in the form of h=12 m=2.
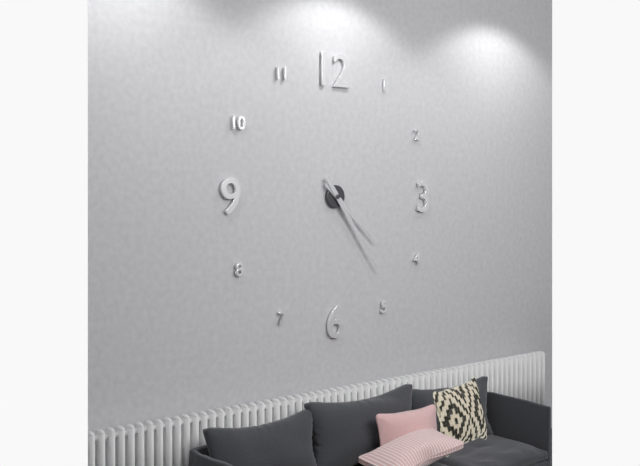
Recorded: h=4 m=24
